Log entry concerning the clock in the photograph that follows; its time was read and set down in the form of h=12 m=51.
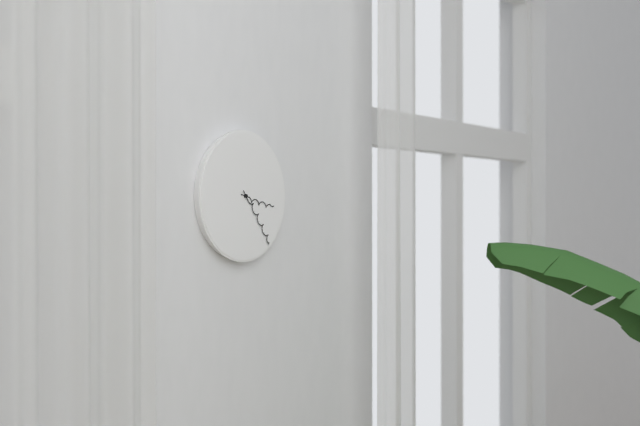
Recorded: h=3 m=24
